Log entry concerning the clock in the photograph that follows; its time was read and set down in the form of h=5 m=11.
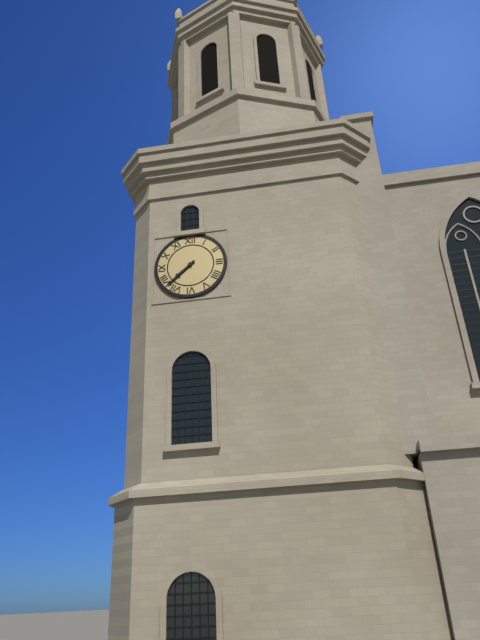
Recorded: h=7 m=38
